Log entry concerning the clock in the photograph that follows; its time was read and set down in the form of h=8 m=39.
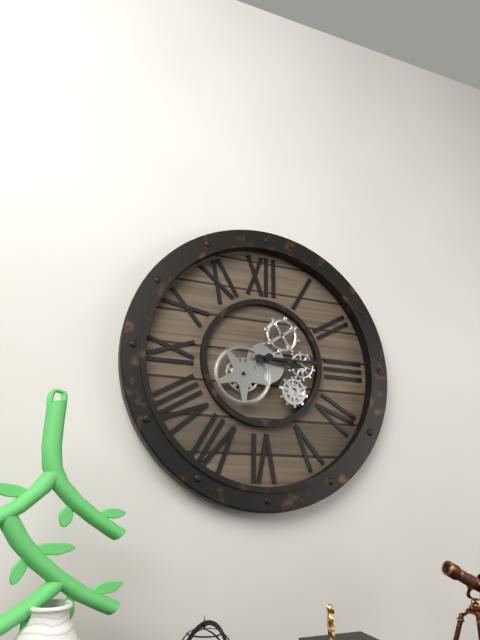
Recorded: h=3 m=15
